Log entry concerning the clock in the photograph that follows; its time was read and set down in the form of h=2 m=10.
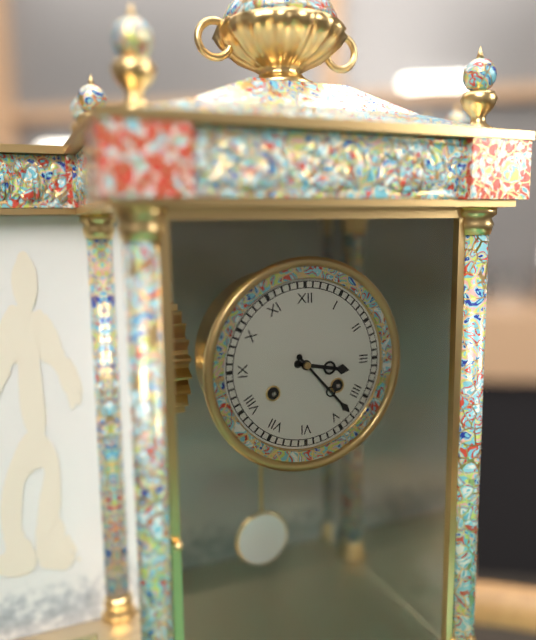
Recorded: h=3 m=23
